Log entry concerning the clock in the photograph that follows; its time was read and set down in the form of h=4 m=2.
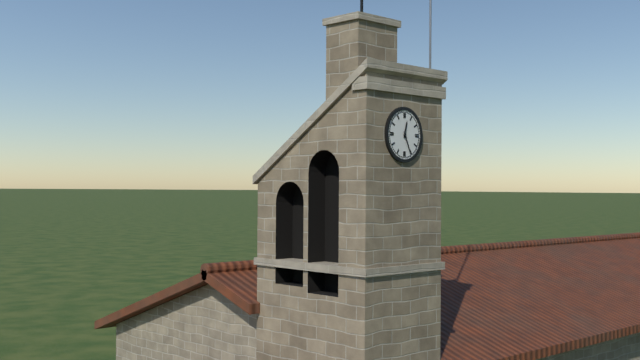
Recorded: h=12 m=26
